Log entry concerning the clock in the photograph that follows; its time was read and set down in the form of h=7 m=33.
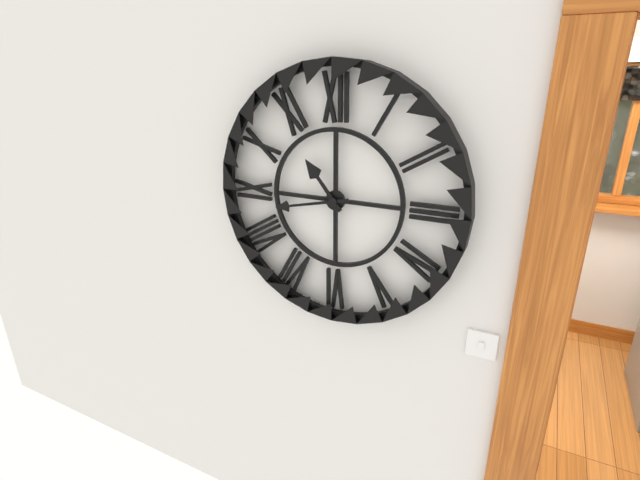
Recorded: h=10 m=43
